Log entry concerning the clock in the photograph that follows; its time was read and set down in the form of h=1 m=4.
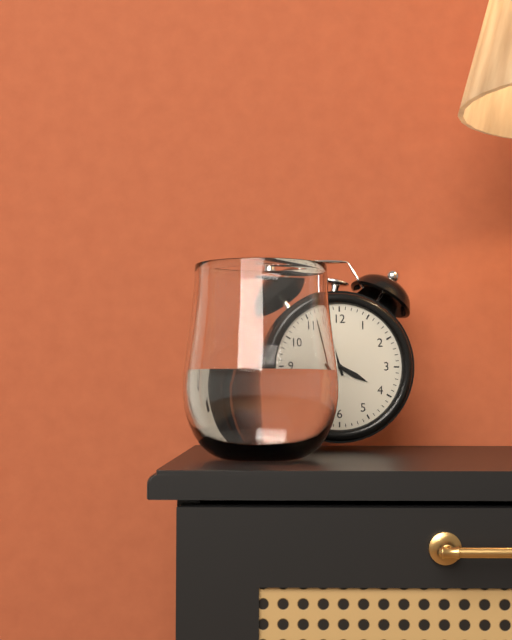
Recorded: h=3 m=57
